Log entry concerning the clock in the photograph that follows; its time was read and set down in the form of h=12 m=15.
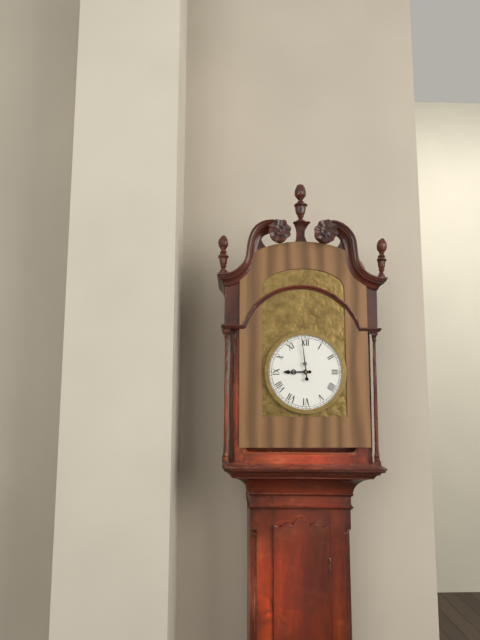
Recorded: h=8 m=59
